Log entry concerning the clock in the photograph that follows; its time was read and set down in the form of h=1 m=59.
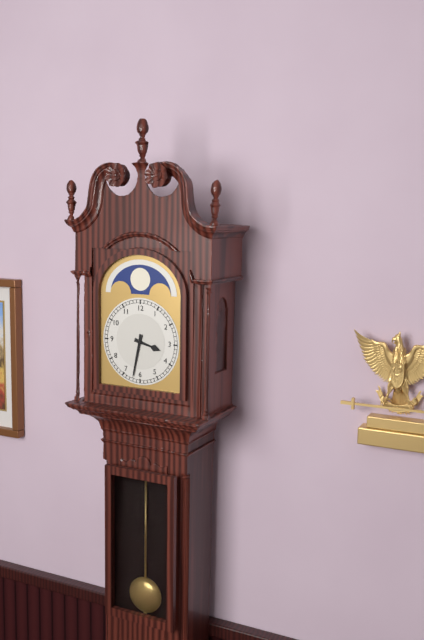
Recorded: h=3 m=32
